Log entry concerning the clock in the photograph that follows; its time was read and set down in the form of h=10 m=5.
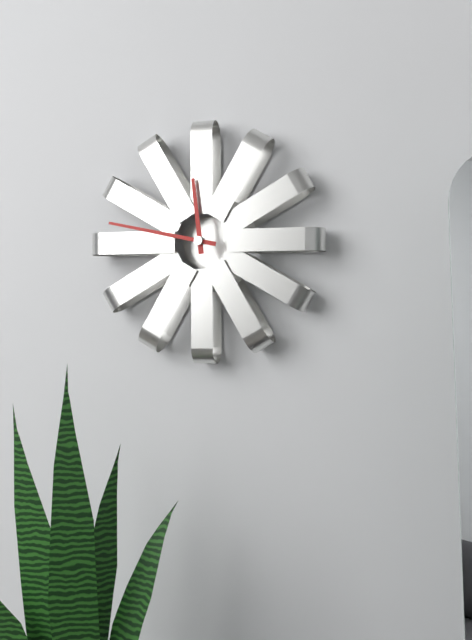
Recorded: h=11 m=47
